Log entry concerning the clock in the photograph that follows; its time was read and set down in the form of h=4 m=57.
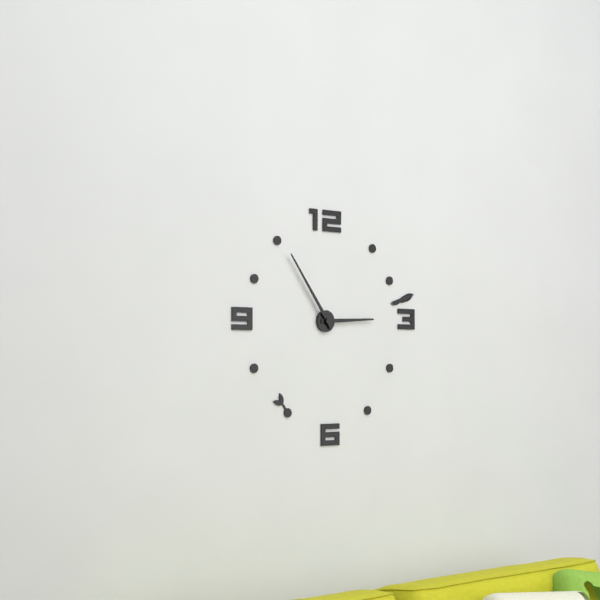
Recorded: h=2 m=54
